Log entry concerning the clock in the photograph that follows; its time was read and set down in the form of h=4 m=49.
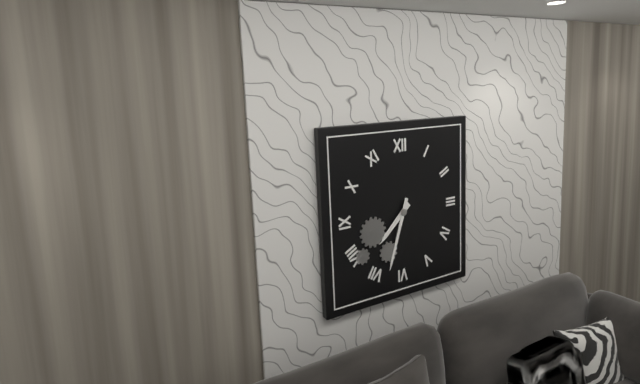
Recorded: h=7 m=33
